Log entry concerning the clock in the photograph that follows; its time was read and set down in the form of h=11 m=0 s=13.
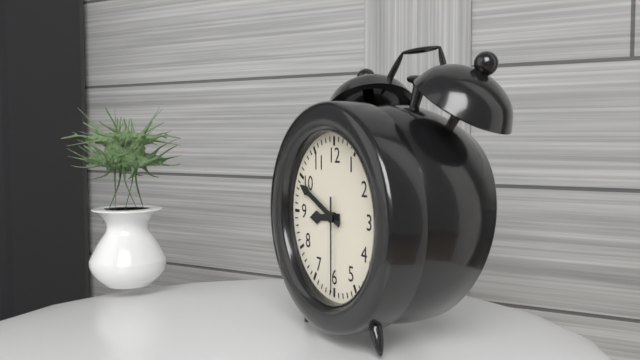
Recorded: h=8 m=49 s=30
